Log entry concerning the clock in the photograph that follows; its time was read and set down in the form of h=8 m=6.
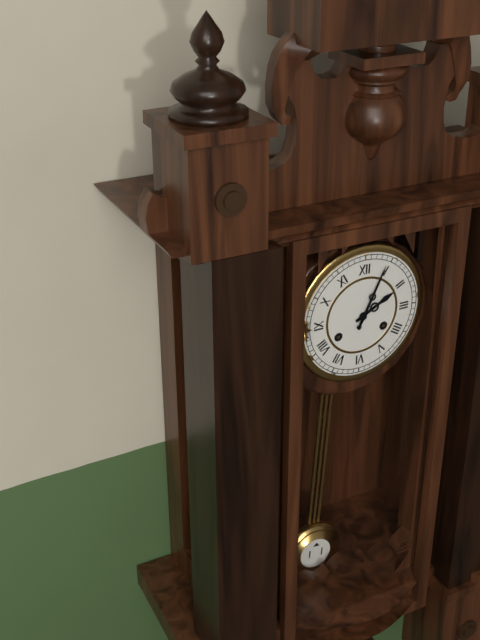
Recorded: h=2 m=4
